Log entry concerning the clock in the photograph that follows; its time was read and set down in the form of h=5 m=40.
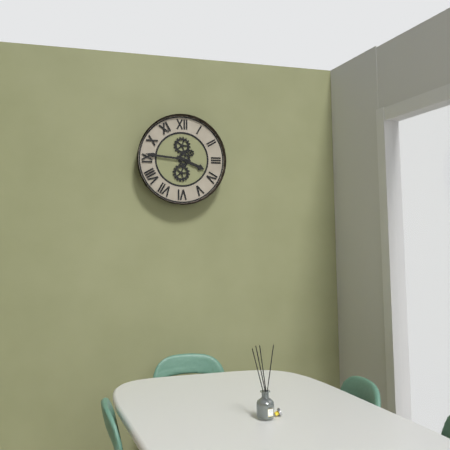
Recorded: h=3 m=46
